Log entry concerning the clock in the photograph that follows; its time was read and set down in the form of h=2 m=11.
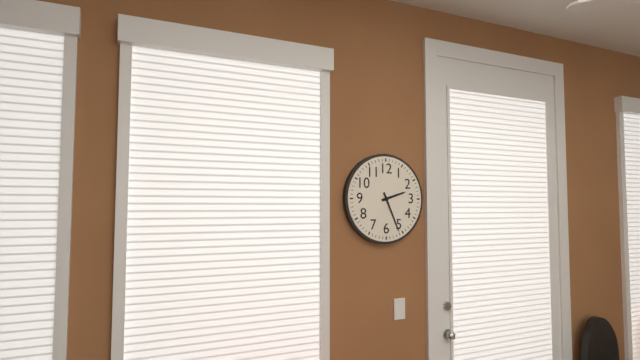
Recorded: h=2 m=26
